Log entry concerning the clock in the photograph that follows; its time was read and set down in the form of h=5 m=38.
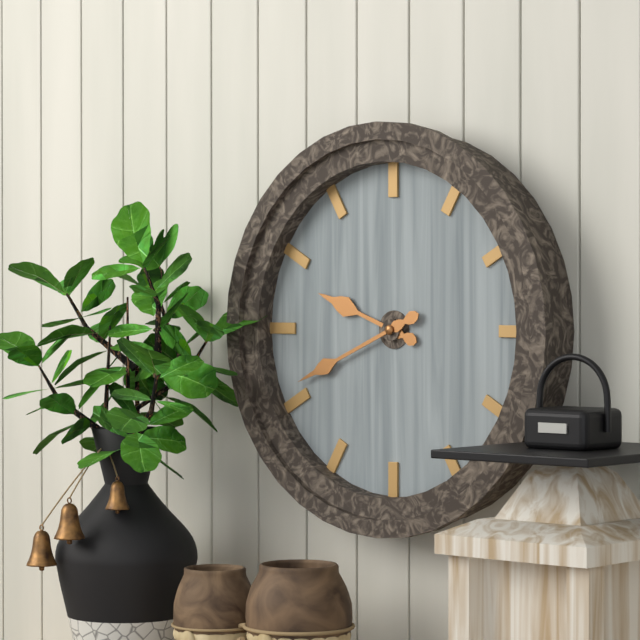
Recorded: h=9 m=41
